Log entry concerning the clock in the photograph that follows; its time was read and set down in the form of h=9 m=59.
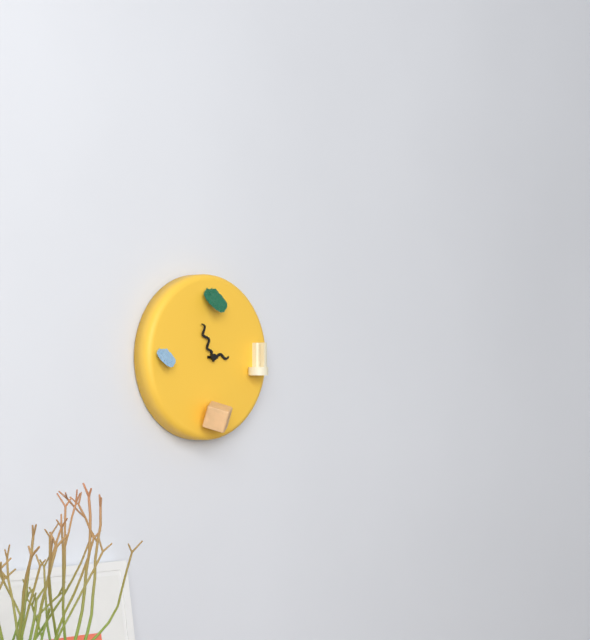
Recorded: h=2 m=56
